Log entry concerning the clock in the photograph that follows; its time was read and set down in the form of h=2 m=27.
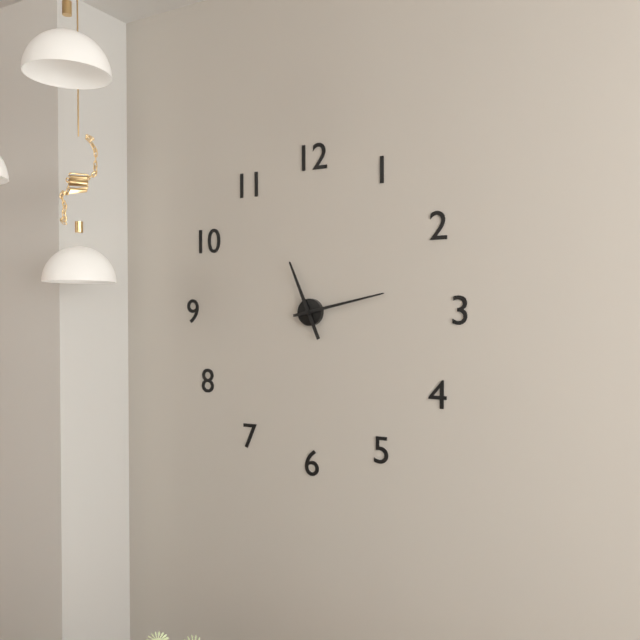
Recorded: h=11 m=13
